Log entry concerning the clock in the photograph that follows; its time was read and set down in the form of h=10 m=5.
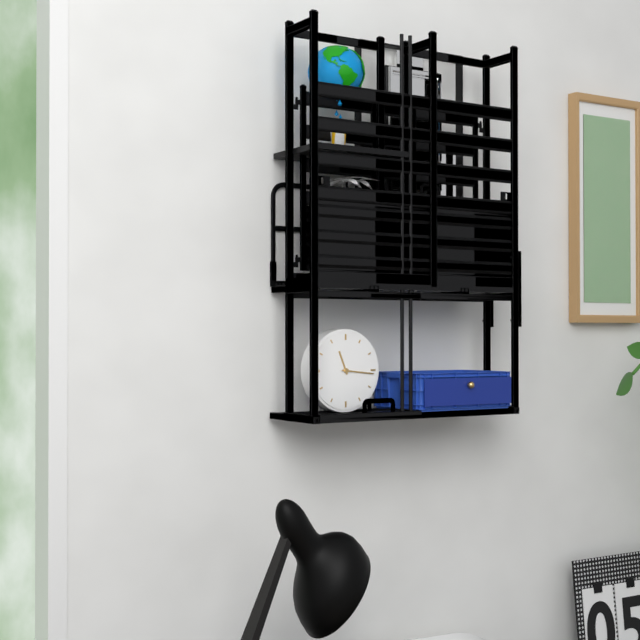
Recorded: h=11 m=16
